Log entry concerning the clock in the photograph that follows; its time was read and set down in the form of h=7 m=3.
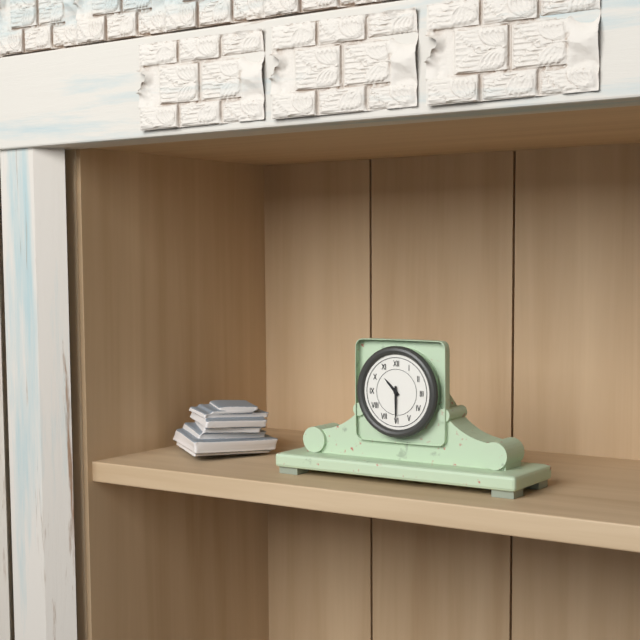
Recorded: h=10 m=30
